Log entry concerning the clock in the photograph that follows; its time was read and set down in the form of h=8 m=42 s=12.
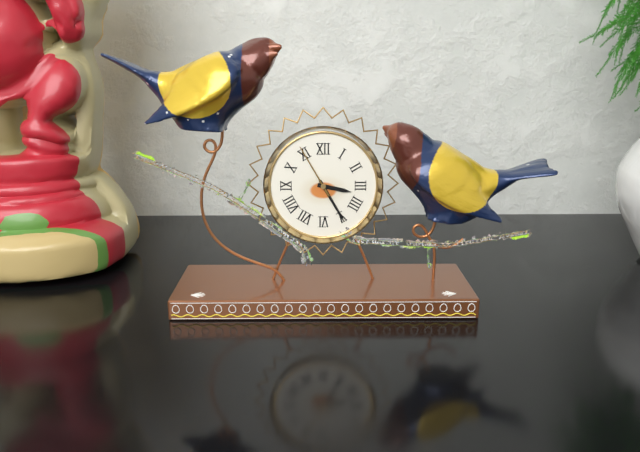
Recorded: h=3 m=25 s=55
